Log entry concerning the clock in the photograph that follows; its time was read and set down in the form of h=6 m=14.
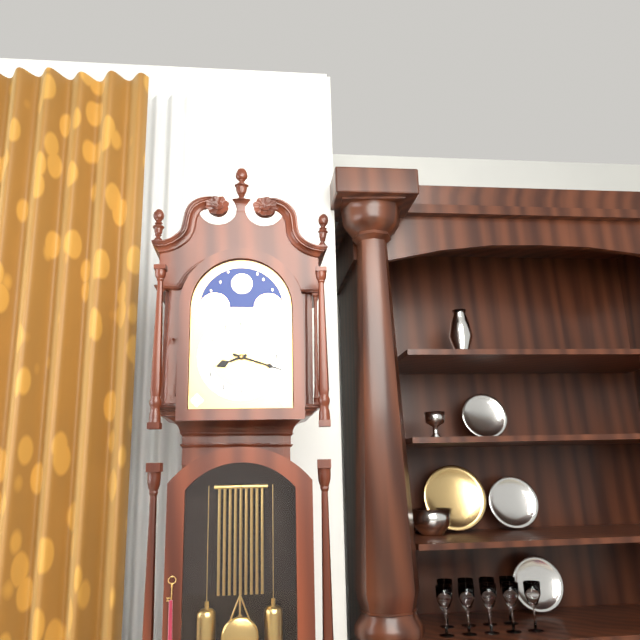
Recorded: h=8 m=18
